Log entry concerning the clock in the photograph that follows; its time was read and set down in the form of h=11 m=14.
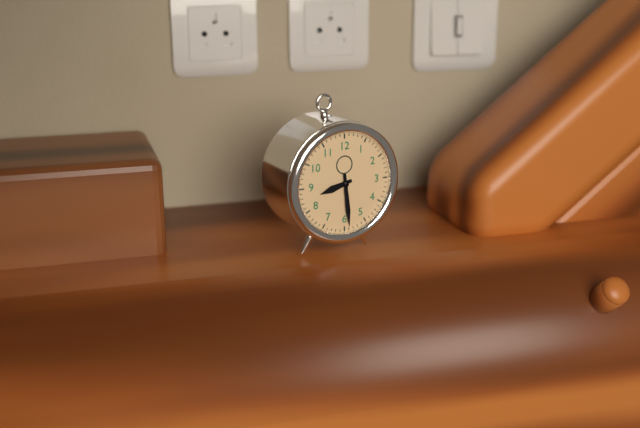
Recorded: h=8 m=29
